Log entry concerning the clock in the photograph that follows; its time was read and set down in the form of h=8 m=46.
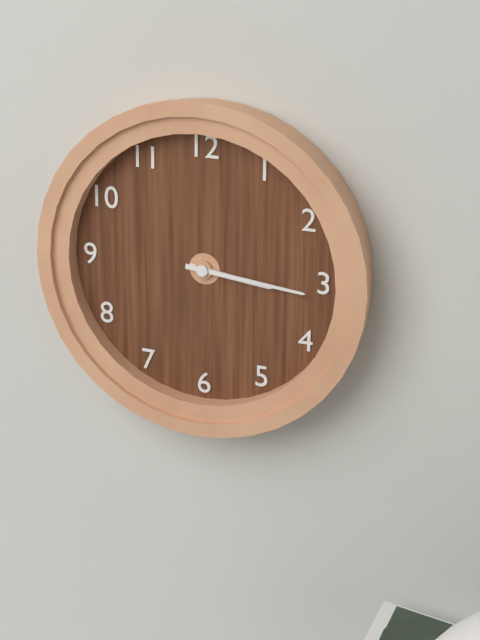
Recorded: h=3 m=16
